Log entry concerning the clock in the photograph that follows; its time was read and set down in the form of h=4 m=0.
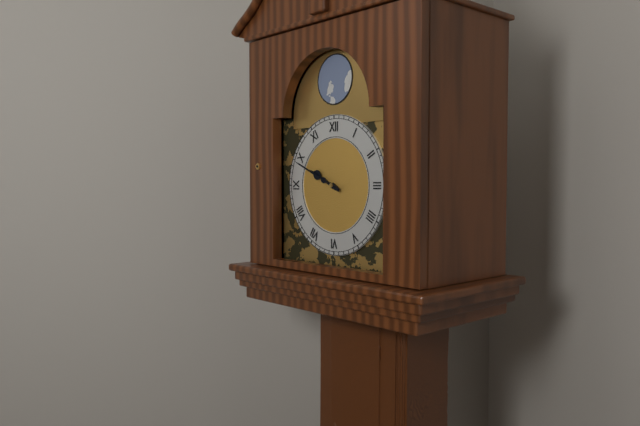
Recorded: h=9 m=49
